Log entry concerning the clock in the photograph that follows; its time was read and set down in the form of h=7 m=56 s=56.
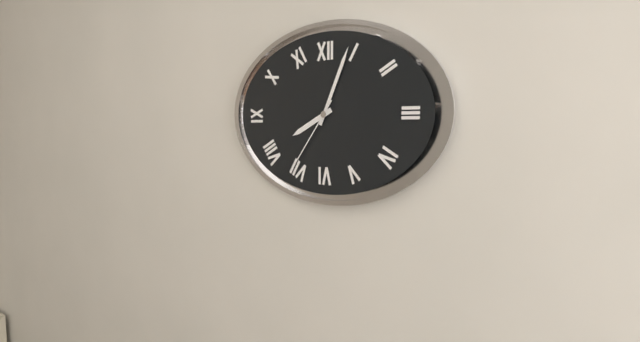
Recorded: h=8 m=4 s=36
